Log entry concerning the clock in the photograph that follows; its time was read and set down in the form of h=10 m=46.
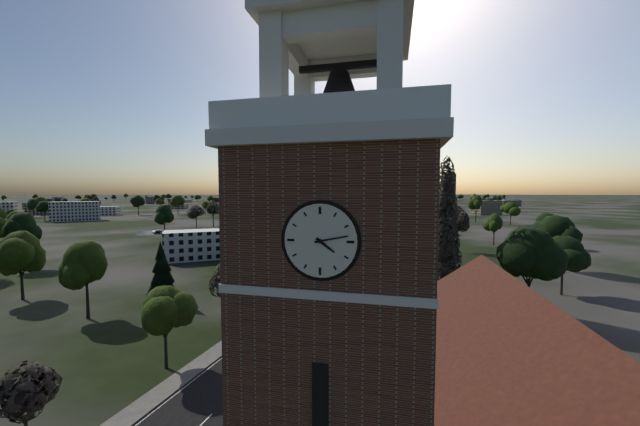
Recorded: h=4 m=13
